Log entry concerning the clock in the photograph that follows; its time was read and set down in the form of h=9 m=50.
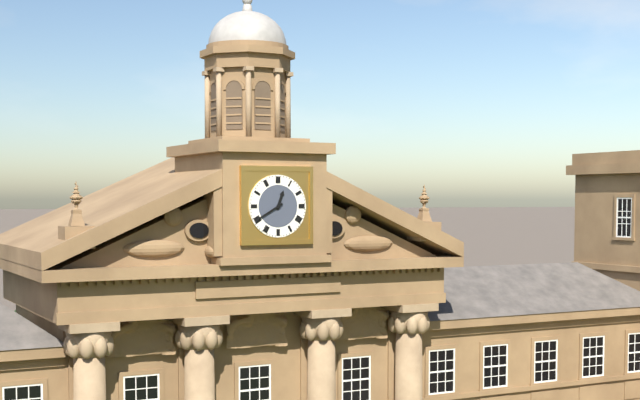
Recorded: h=12 m=40
